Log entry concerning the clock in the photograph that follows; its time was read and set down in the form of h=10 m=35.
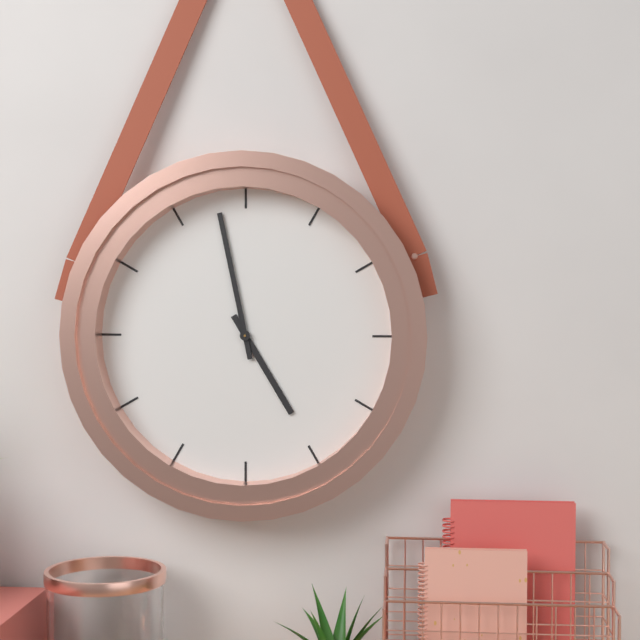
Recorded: h=4 m=58
